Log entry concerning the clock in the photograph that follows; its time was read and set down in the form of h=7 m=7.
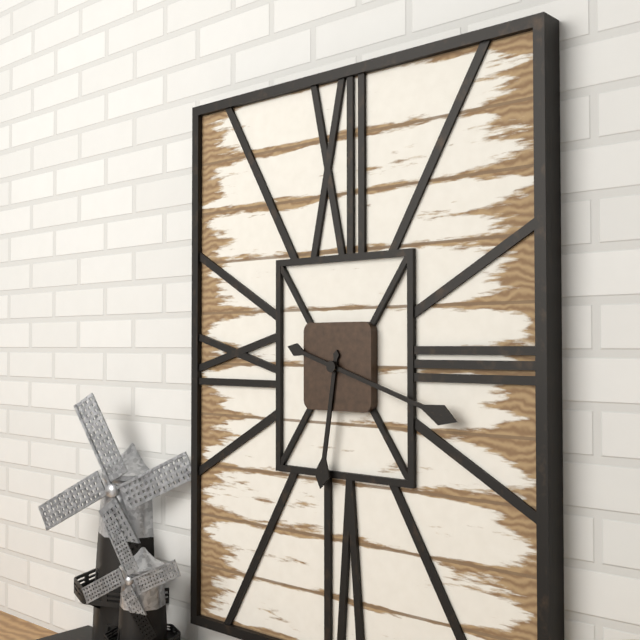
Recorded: h=6 m=18
